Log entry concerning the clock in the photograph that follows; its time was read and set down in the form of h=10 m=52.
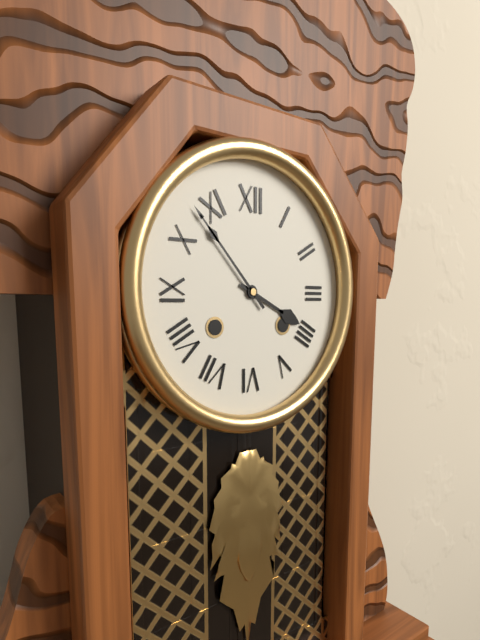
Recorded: h=3 m=53
